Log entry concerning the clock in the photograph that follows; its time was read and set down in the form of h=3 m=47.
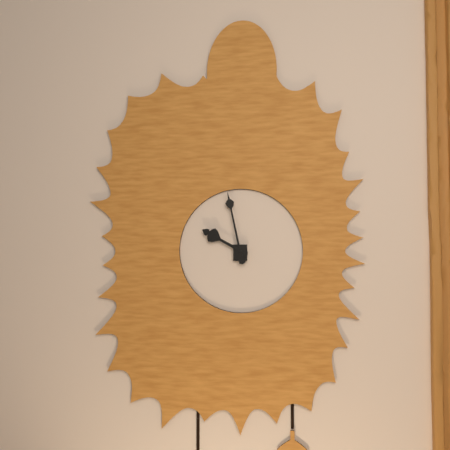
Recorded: h=9 m=58
